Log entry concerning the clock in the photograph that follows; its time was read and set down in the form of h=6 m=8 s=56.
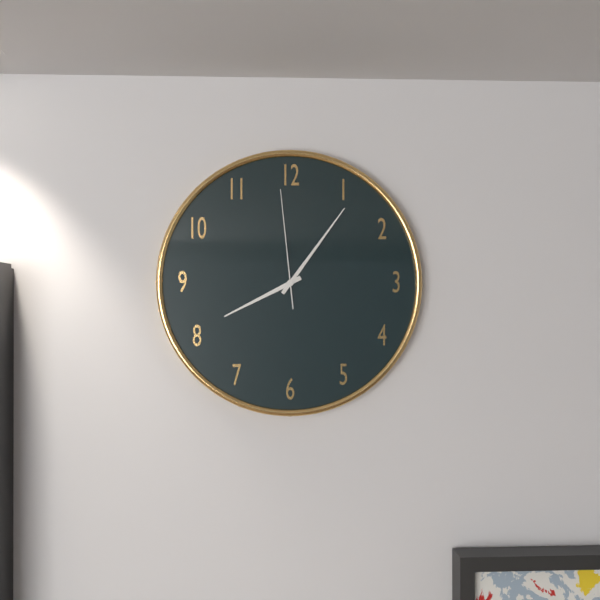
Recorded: h=8 m=6 s=59
